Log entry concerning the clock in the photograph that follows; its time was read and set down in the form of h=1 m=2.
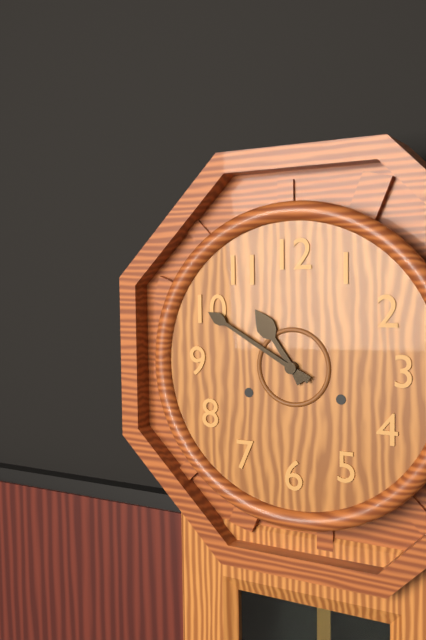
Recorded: h=10 m=50
